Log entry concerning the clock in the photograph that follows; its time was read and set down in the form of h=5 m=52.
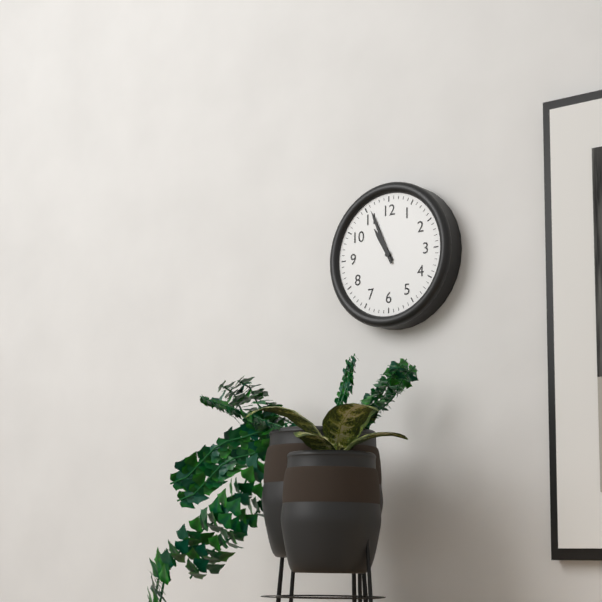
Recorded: h=10 m=56
